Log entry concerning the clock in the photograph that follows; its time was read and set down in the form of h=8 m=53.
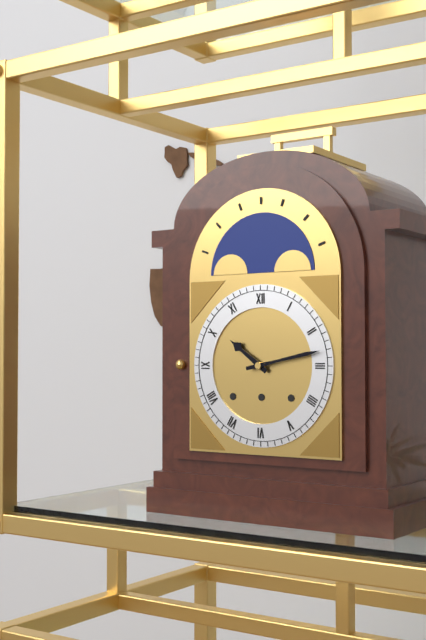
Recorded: h=10 m=13
